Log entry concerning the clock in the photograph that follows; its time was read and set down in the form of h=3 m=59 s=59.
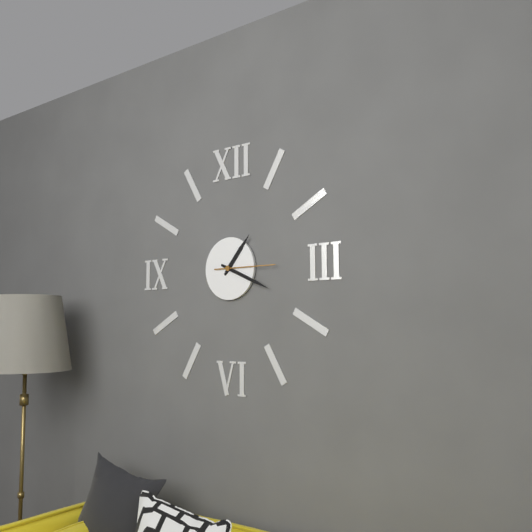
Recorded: h=1 m=19 s=15
